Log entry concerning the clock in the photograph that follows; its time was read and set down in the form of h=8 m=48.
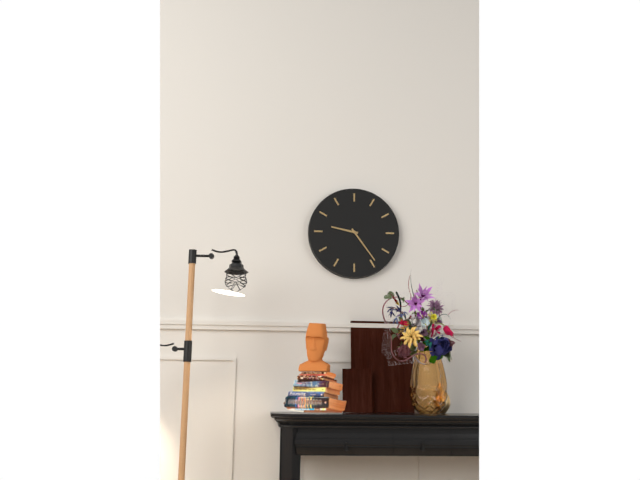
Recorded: h=9 m=24
